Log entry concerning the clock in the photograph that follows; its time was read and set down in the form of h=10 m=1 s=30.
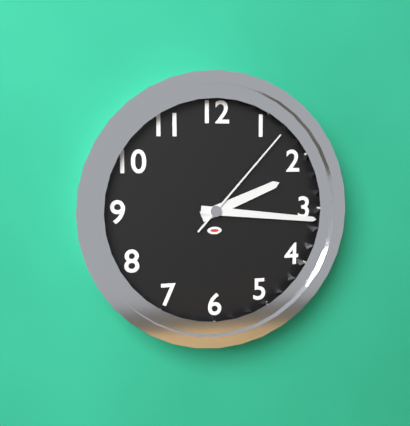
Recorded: h=2 m=16 s=7
